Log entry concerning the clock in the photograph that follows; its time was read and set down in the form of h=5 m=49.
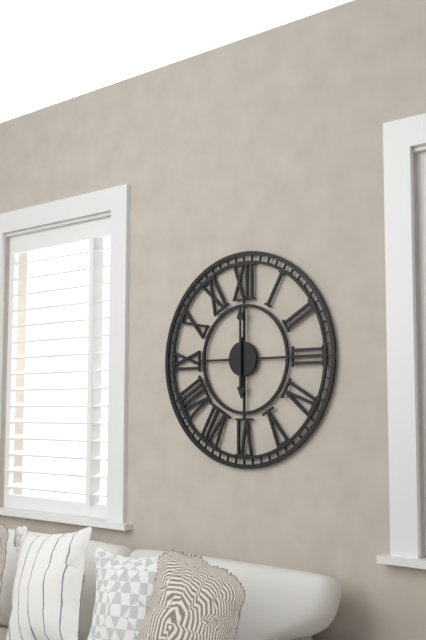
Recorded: h=6 m=0
